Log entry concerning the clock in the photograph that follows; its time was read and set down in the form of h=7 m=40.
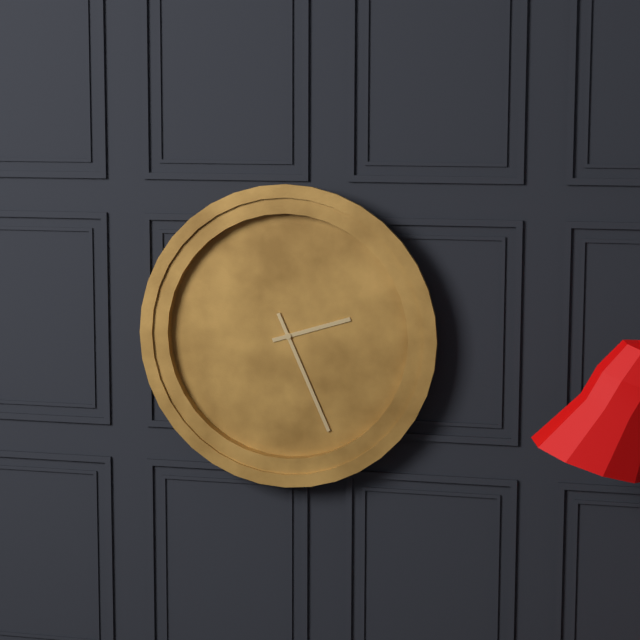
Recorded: h=2 m=26
